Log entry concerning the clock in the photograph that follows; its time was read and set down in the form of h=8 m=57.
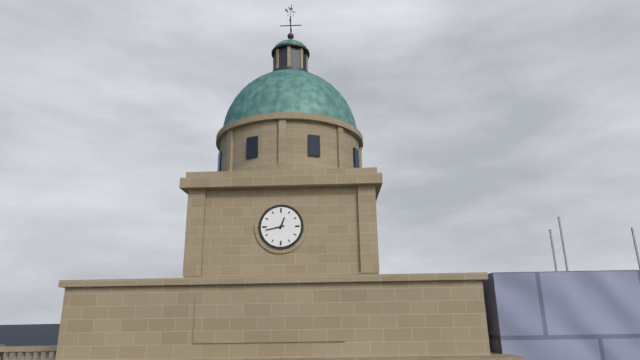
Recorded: h=12 m=43
